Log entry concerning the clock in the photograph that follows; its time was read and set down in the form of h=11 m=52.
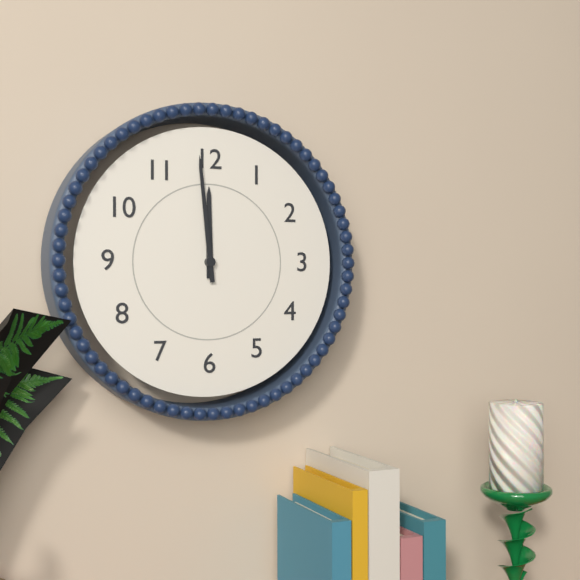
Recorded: h=11 m=59
